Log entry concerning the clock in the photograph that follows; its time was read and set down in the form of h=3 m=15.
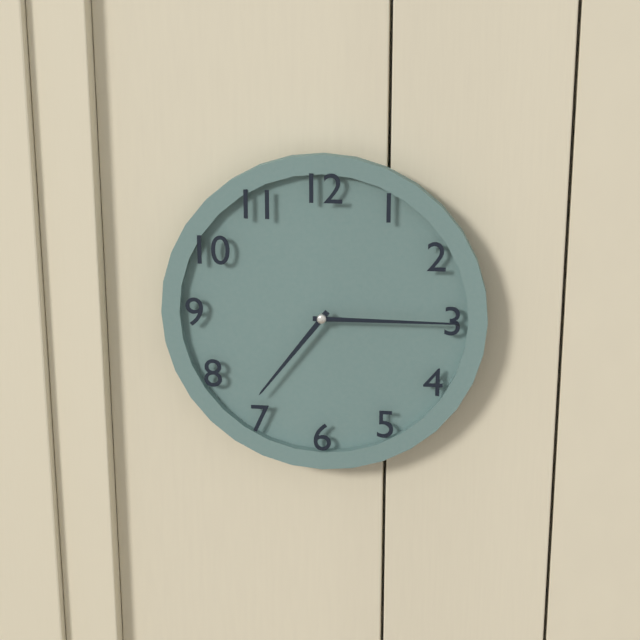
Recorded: h=7 m=15
